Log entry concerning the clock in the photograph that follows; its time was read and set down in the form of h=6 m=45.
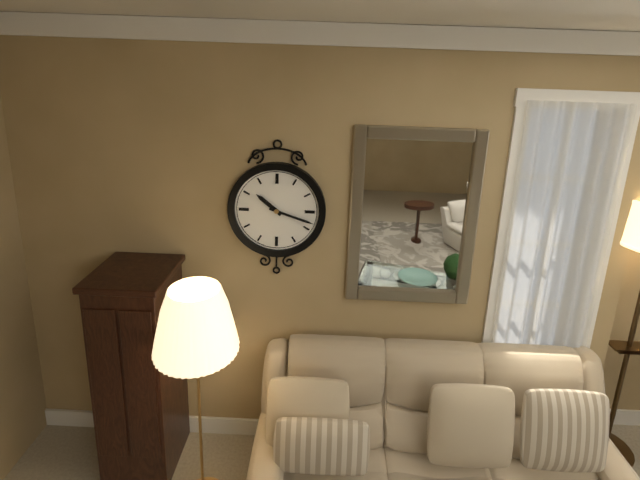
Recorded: h=10 m=18
